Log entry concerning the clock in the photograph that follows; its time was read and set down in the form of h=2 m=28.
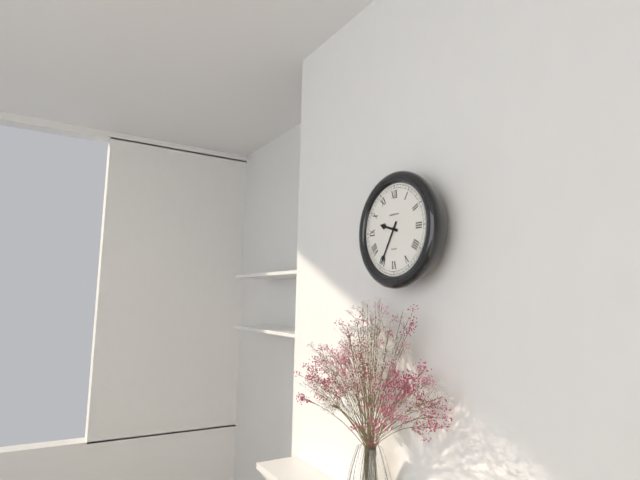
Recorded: h=9 m=35
